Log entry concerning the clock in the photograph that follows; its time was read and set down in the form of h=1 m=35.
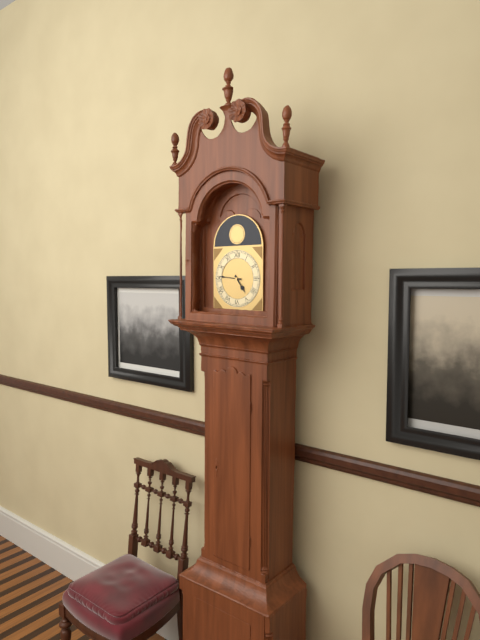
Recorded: h=4 m=46
